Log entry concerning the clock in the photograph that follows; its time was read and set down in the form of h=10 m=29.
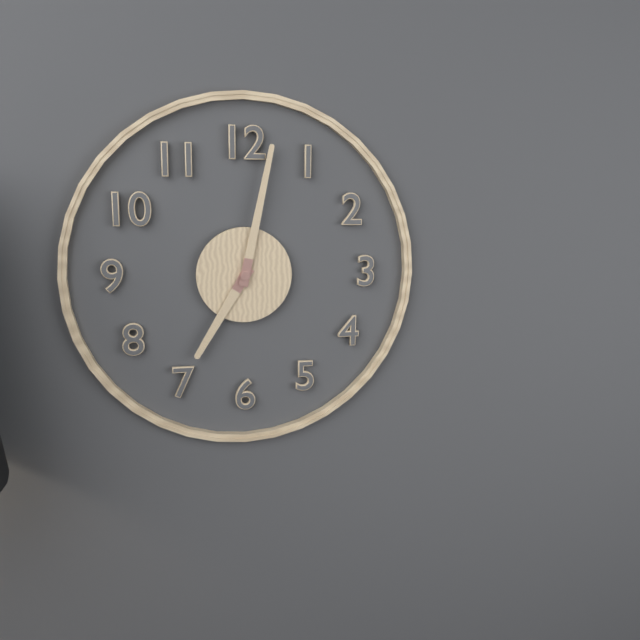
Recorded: h=7 m=2
